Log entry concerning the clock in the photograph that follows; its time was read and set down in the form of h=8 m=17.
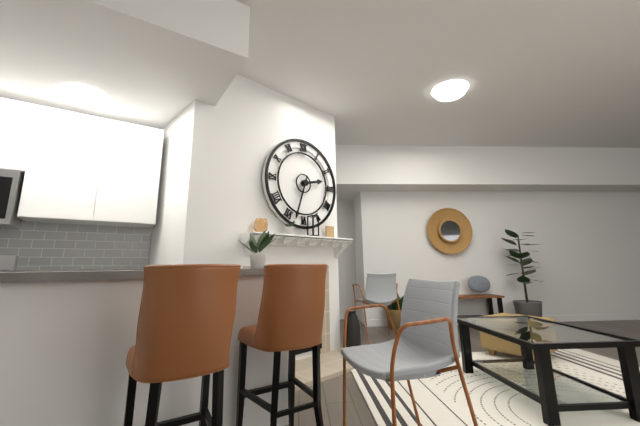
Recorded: h=2 m=33
